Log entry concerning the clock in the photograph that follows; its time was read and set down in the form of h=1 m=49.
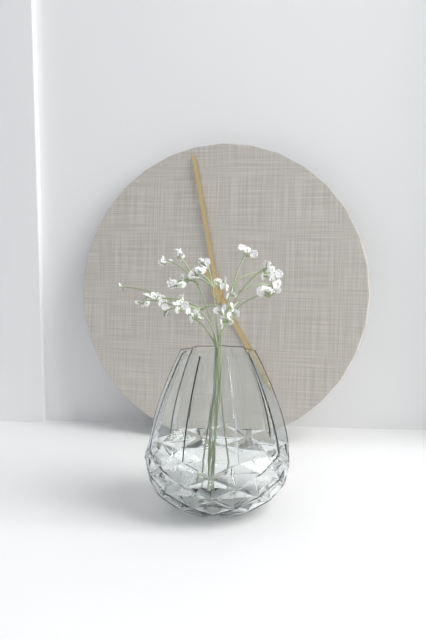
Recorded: h=4 m=58
